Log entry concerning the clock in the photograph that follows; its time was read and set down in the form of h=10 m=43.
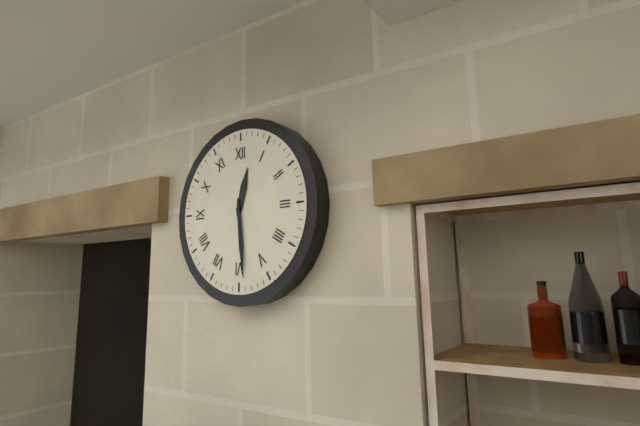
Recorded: h=12 m=29
